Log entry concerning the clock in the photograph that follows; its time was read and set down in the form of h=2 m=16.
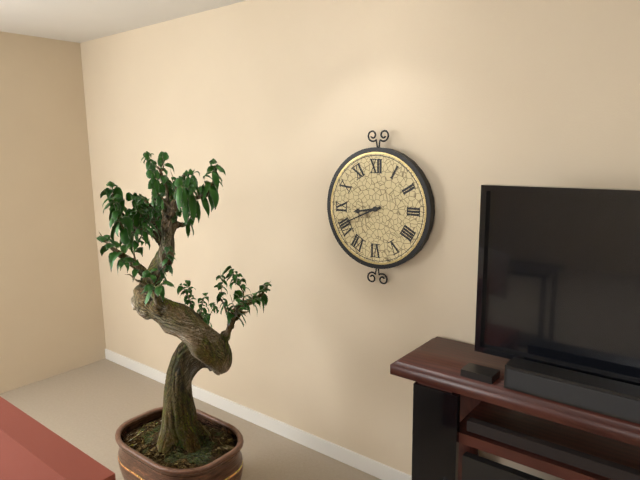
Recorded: h=8 m=41
